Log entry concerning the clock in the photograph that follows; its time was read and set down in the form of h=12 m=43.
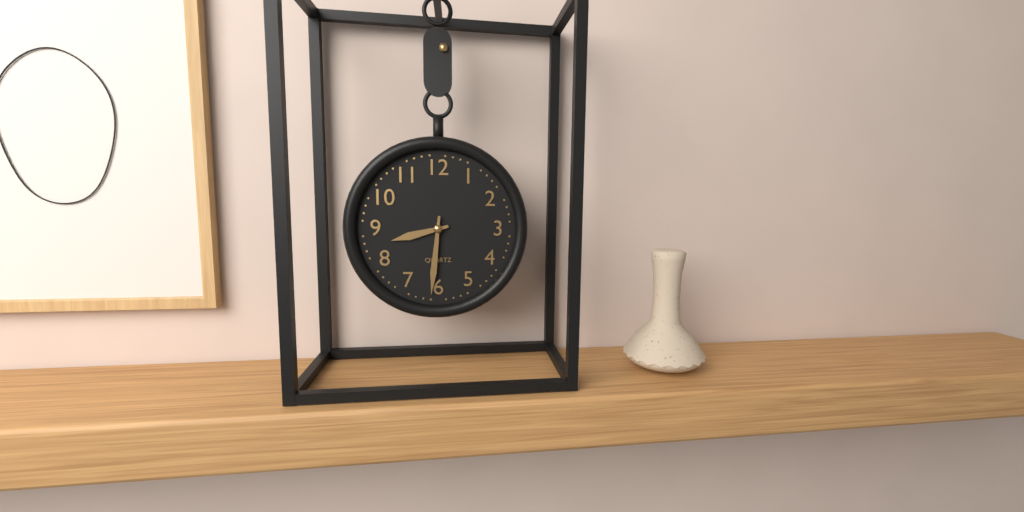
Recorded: h=8 m=31
